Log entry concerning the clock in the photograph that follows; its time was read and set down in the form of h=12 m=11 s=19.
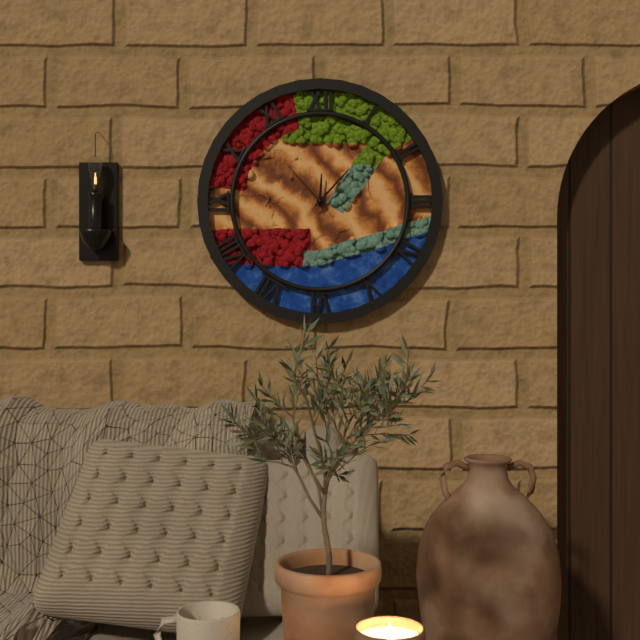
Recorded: h=12 m=7 s=53
